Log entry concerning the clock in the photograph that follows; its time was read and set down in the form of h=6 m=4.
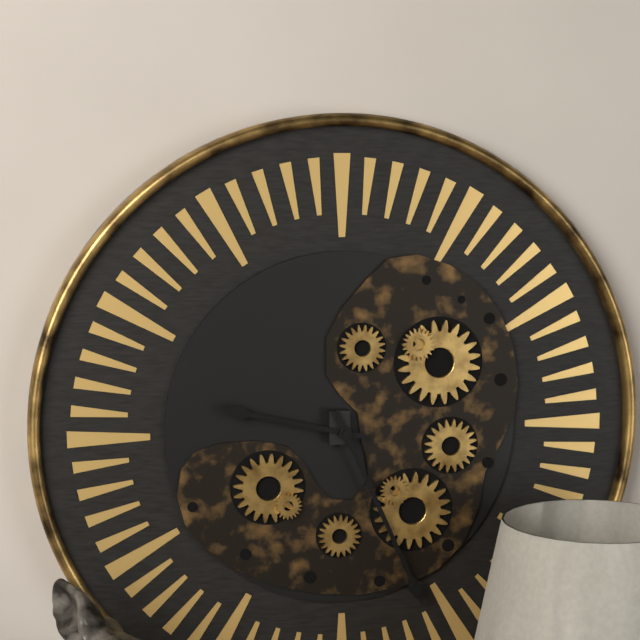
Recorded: h=9 m=26
